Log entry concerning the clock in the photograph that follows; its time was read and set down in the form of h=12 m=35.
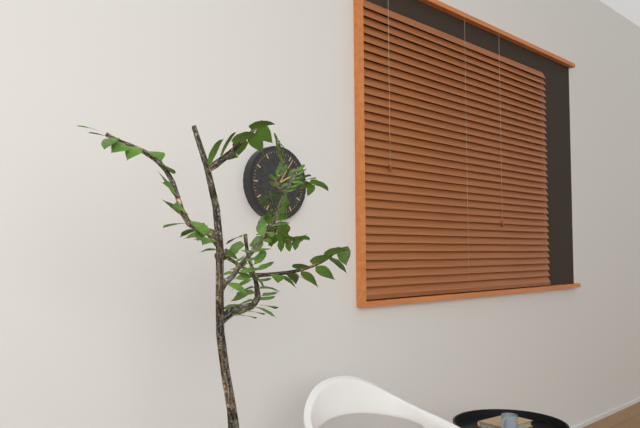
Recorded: h=2 m=6
